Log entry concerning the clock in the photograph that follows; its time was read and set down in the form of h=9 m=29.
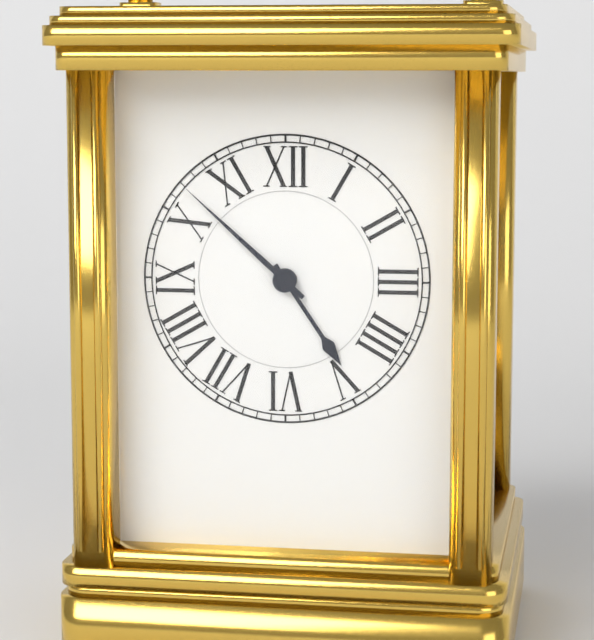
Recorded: h=4 m=52
